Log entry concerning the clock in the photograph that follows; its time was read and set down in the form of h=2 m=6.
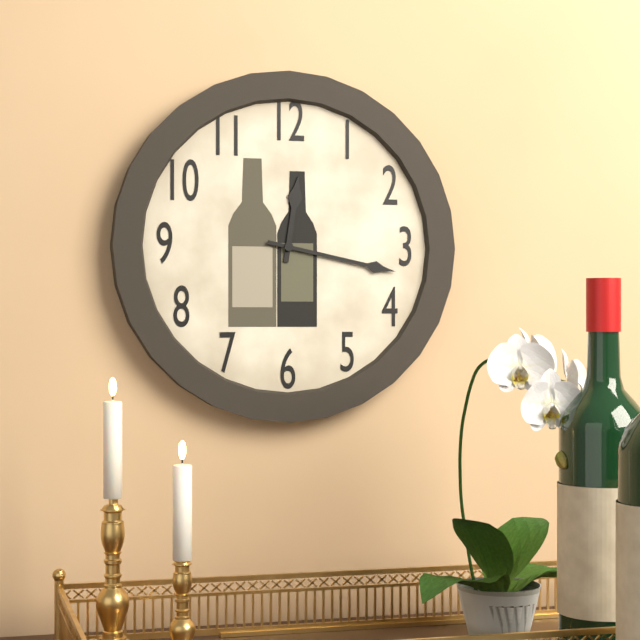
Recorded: h=12 m=17
